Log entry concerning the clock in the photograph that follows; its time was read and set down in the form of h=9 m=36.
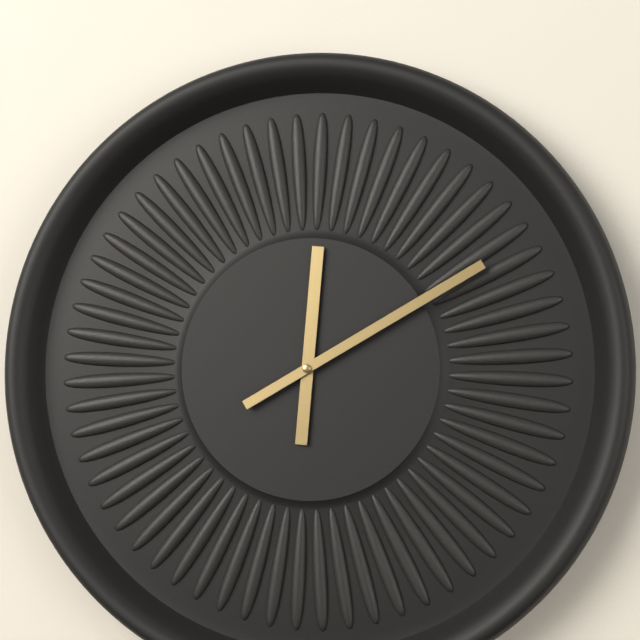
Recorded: h=12 m=10
